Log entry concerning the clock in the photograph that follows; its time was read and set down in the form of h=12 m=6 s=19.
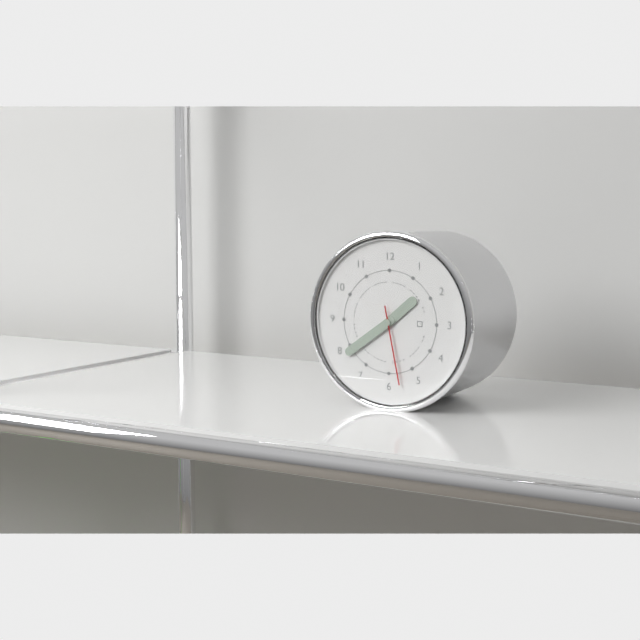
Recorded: h=1 m=39 s=28
